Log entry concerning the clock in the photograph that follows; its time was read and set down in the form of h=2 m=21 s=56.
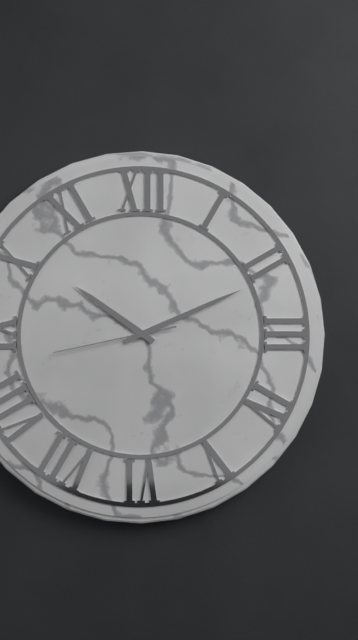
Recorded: h=10 m=11 s=43
